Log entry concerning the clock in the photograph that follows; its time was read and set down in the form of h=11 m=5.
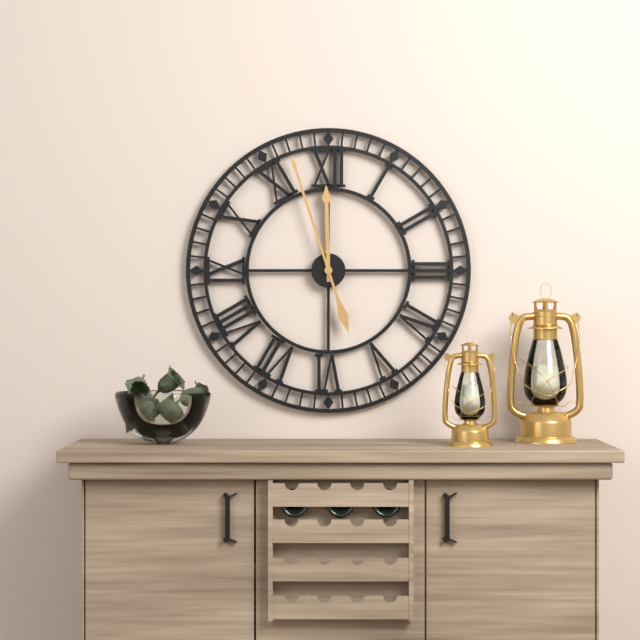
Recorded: h=11 m=57
